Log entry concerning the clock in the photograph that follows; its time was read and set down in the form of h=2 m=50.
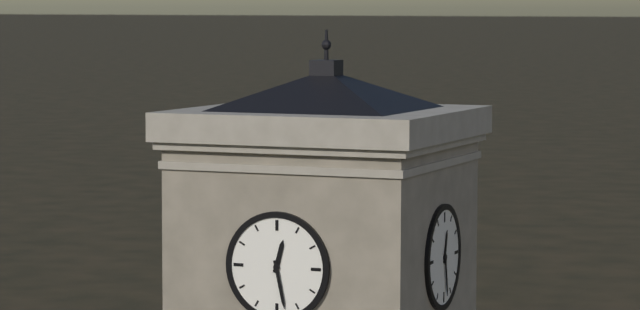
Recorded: h=12 m=28
